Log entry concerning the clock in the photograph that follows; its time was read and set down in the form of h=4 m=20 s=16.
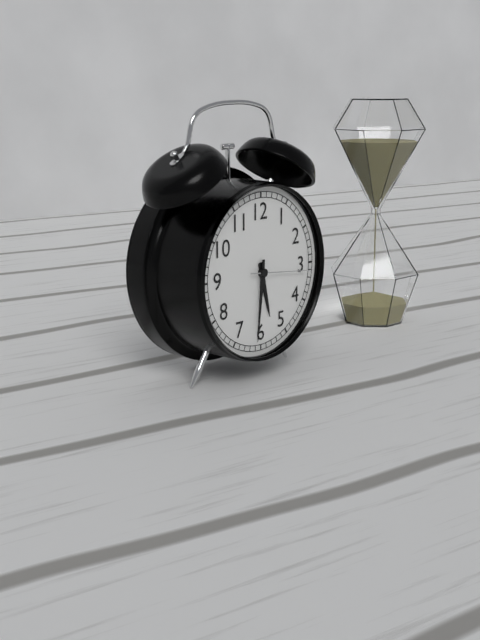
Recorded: h=5 m=31 s=16
